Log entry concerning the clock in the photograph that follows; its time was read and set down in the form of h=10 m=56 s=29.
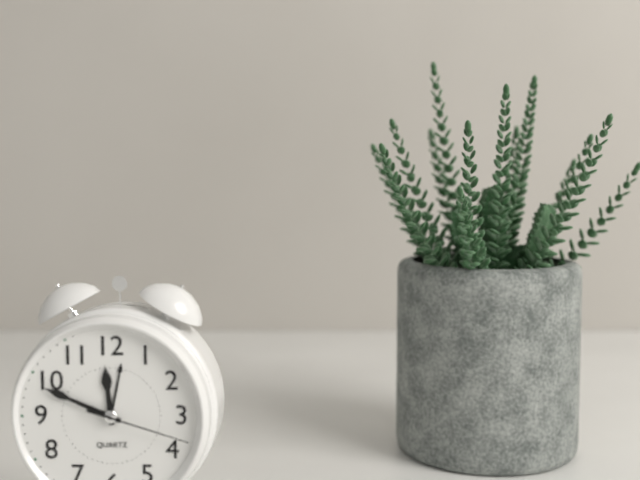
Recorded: h=11 m=49 s=18
